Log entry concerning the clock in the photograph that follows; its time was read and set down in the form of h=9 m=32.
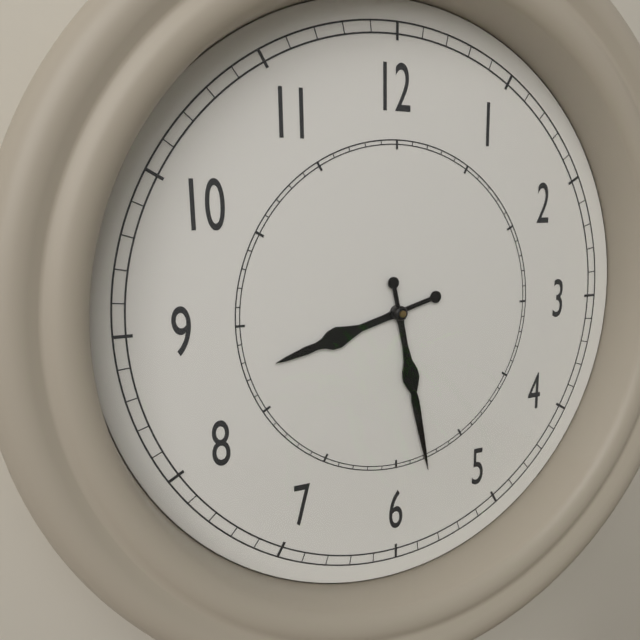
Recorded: h=8 m=28
